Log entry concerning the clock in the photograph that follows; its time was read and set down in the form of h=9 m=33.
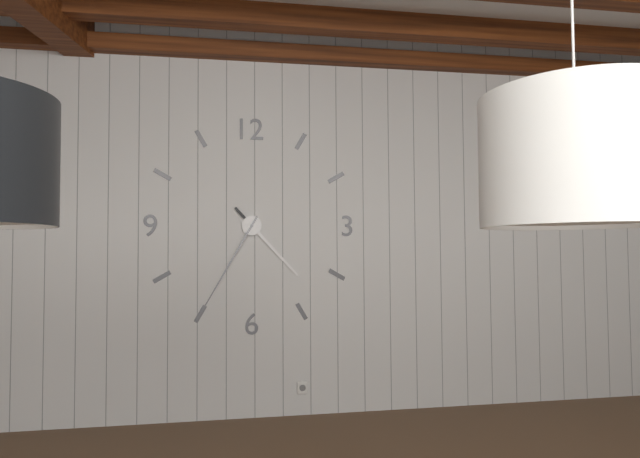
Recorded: h=4 m=35
